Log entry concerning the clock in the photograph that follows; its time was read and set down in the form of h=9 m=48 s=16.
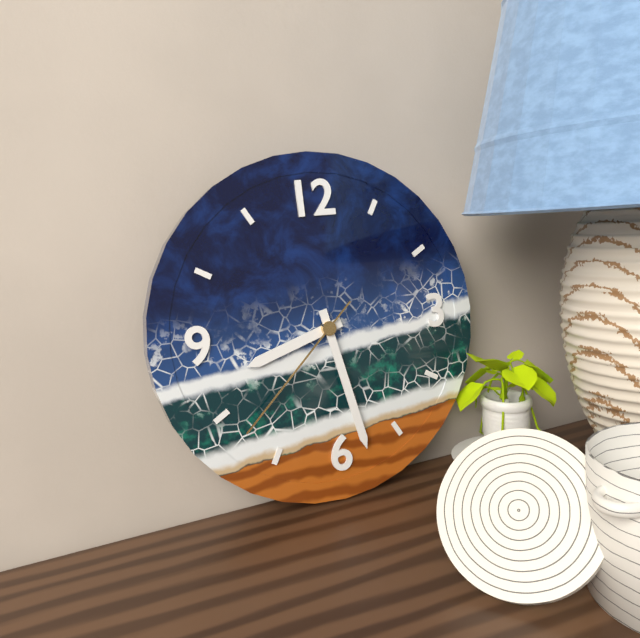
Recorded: h=8 m=28 s=38
